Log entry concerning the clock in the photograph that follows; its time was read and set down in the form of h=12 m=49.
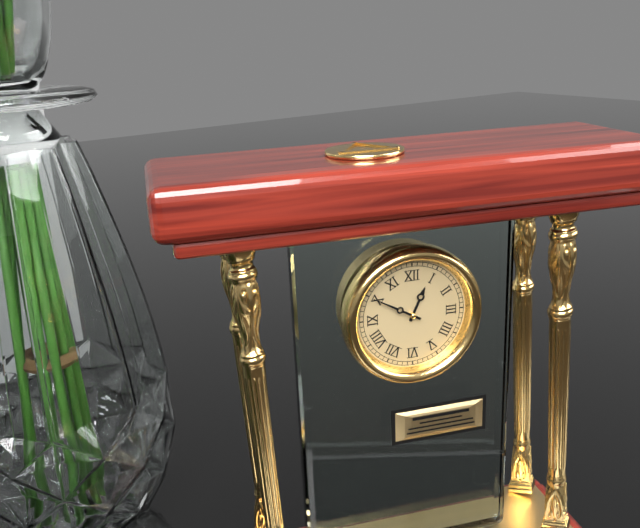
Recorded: h=12 m=50
